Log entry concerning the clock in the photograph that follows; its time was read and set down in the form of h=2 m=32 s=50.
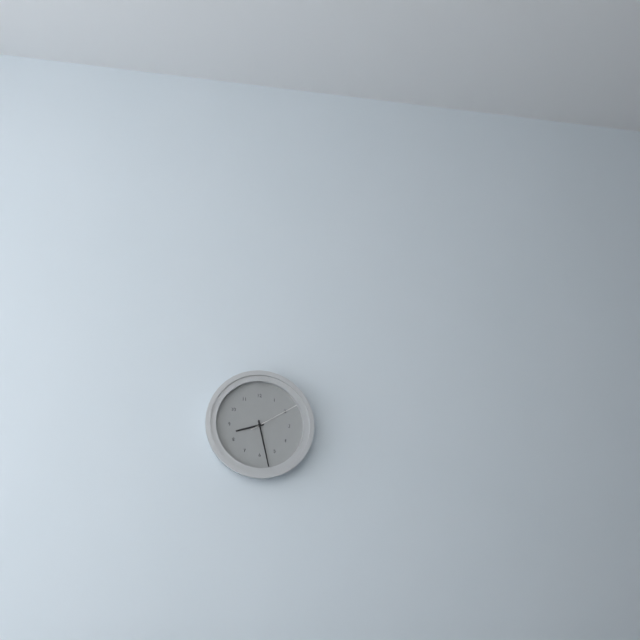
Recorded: h=8 m=28 s=10
